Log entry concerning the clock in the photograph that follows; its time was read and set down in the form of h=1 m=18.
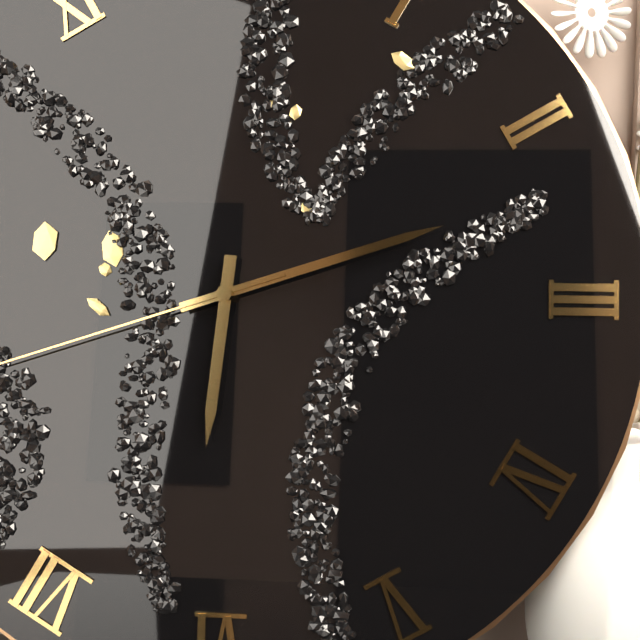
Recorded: h=6 m=12
